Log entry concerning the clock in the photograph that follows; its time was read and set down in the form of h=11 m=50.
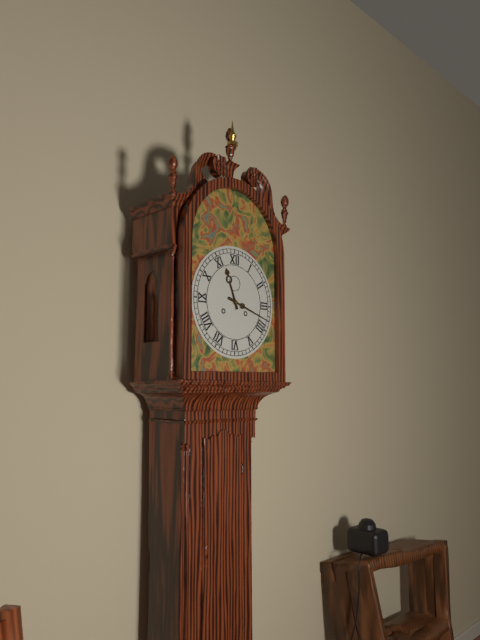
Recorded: h=11 m=18
